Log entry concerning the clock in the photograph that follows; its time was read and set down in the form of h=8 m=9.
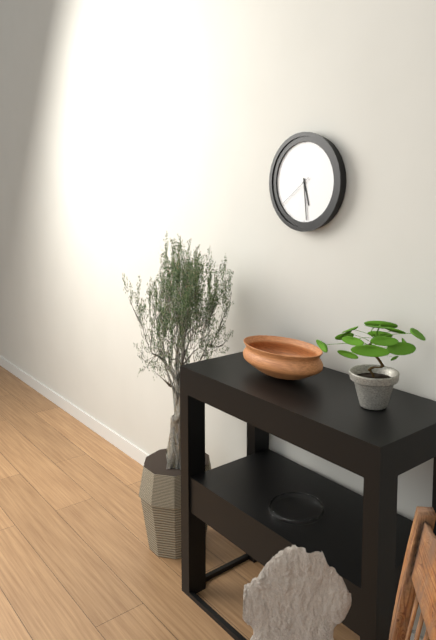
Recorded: h=5 m=29
